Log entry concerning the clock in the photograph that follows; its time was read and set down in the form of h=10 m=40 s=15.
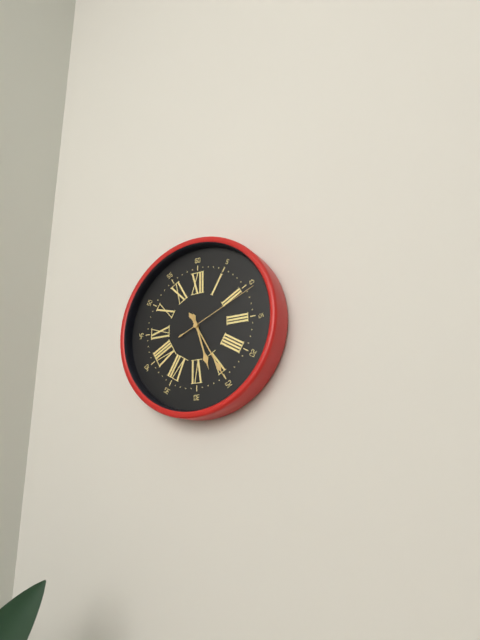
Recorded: h=5 m=25 s=11
